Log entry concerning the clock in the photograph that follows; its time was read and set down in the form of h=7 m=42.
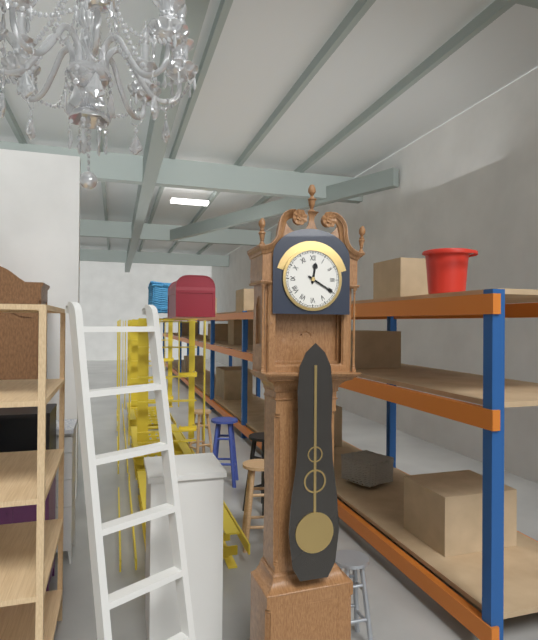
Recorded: h=12 m=20
